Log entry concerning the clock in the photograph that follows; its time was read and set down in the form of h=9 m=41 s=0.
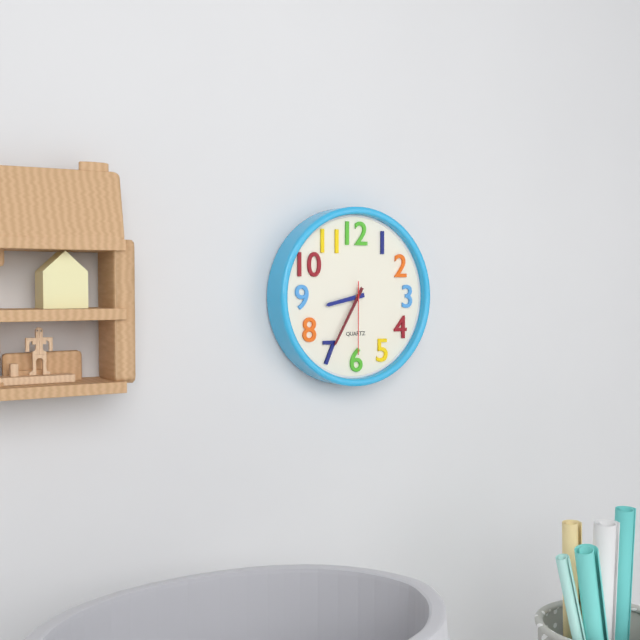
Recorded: h=8 m=35 s=30
